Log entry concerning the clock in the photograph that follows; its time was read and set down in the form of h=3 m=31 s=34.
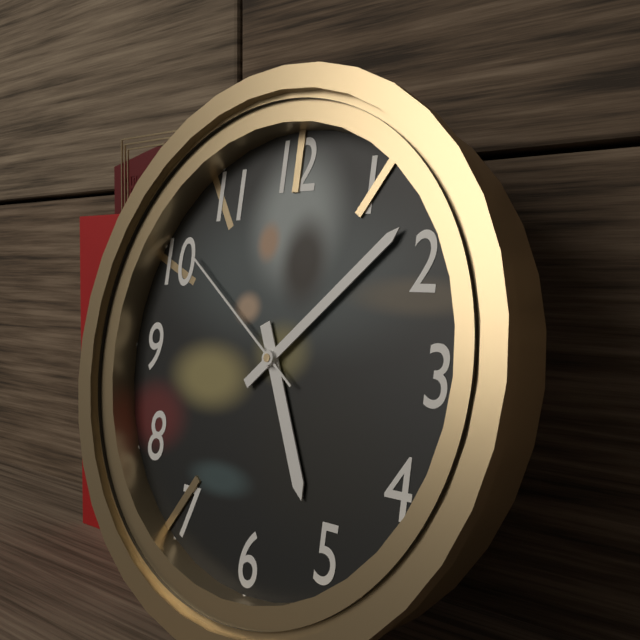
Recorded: h=5 m=8 s=51
